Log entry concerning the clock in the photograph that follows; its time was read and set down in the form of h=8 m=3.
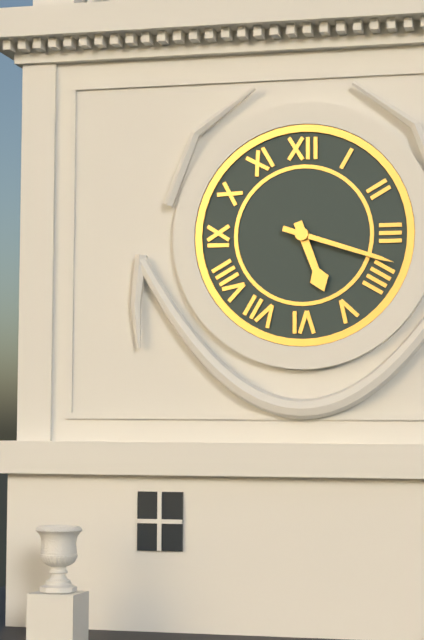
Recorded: h=5 m=18
